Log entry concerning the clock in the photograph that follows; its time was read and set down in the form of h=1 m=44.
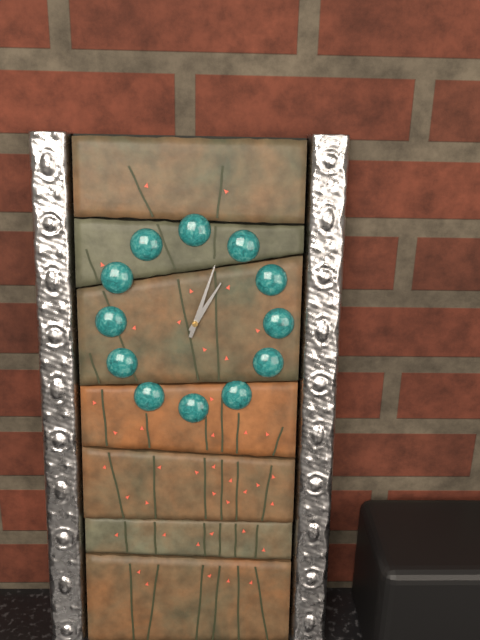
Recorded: h=1 m=3
